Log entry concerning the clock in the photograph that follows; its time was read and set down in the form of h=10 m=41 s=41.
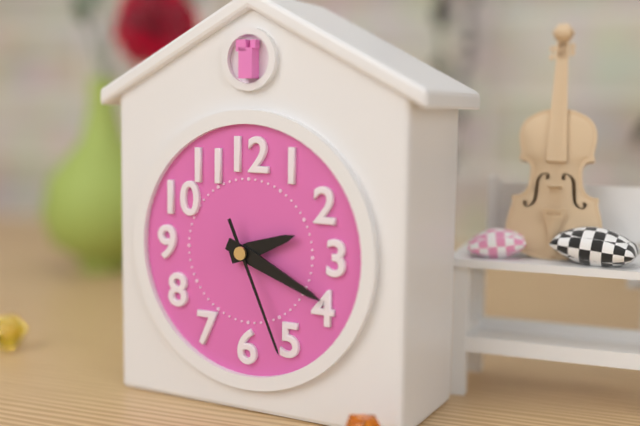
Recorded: h=2 m=19 s=26
